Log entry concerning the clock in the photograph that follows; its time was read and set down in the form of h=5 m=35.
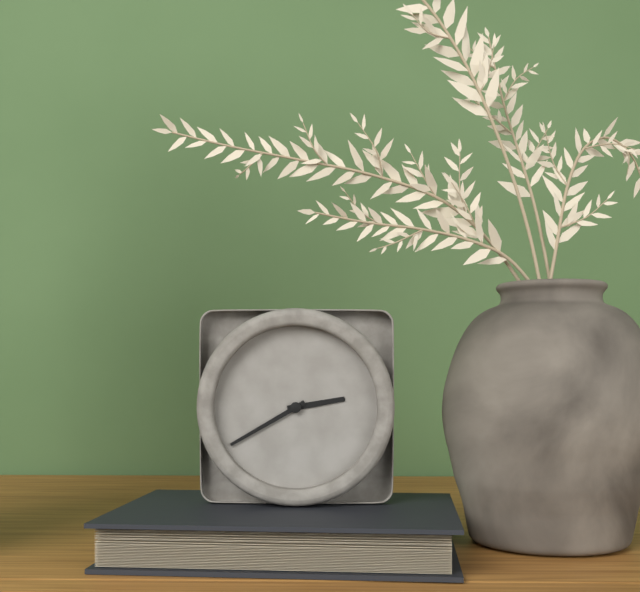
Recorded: h=2 m=40
